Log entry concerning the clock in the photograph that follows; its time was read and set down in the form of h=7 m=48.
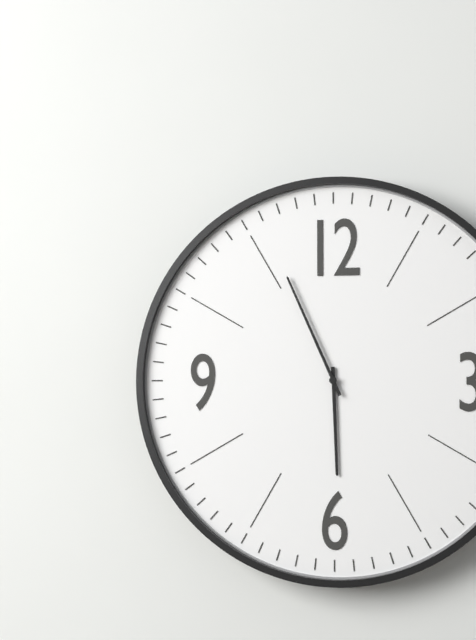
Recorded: h=5 m=56
